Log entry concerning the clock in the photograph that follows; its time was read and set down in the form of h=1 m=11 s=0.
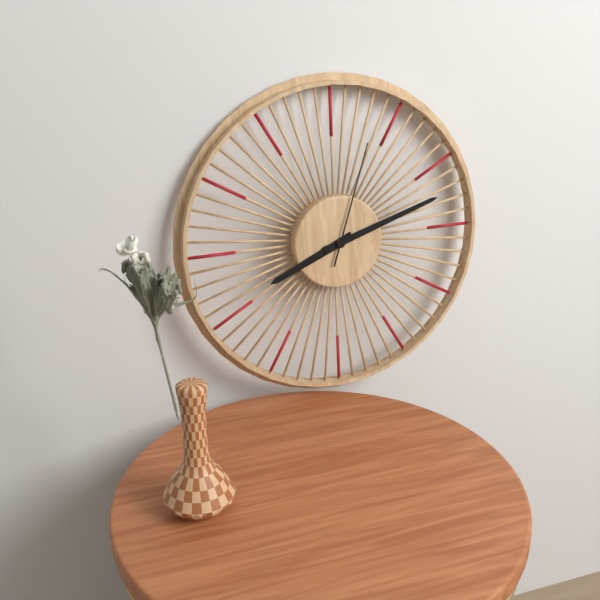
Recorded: h=8 m=12 s=3
